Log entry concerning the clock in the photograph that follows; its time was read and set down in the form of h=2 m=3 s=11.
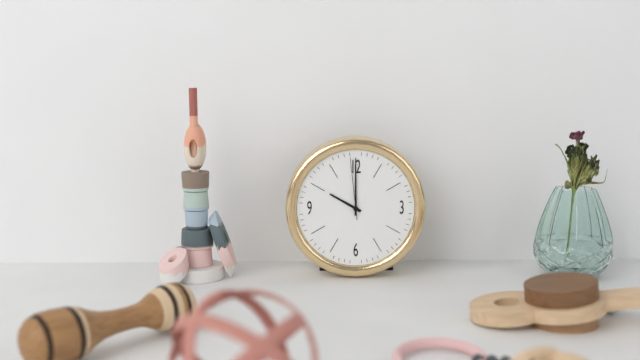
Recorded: h=10 m=0 s=59
